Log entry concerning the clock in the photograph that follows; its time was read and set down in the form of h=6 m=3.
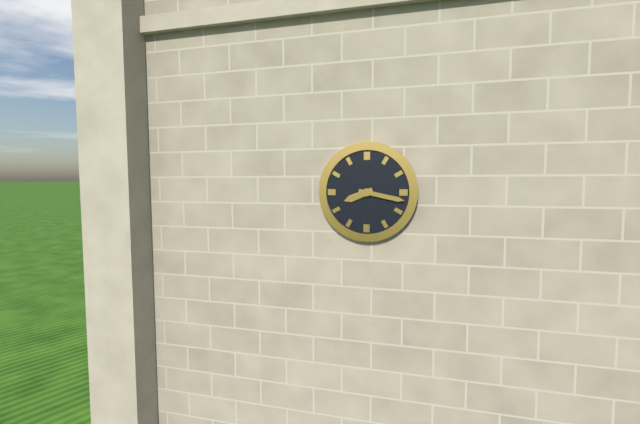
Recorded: h=8 m=17
